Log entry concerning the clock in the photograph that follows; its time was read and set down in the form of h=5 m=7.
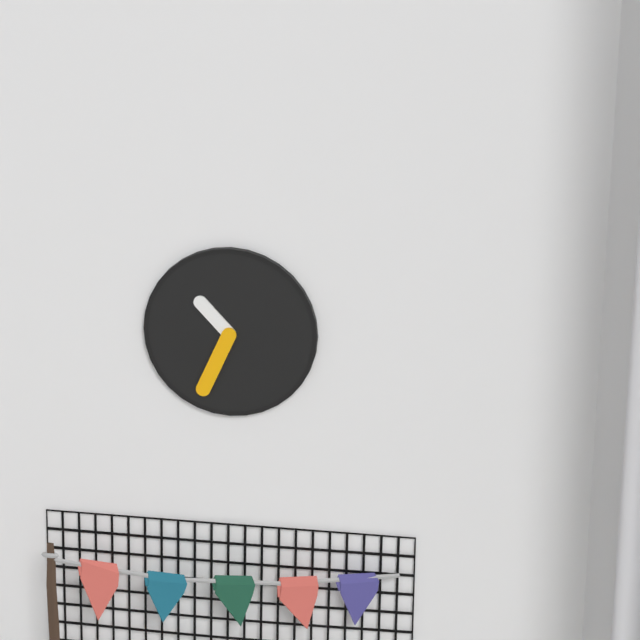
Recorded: h=10 m=34
